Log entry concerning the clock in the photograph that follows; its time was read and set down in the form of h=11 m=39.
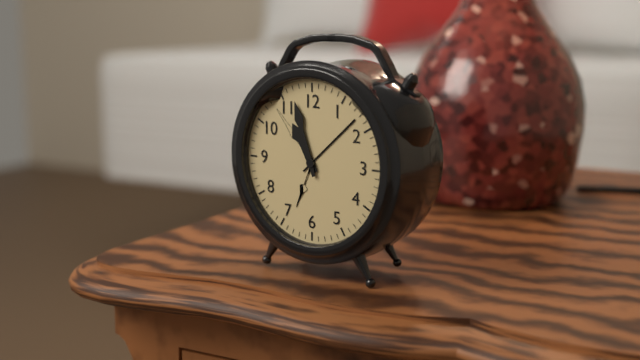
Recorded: h=10 m=57
